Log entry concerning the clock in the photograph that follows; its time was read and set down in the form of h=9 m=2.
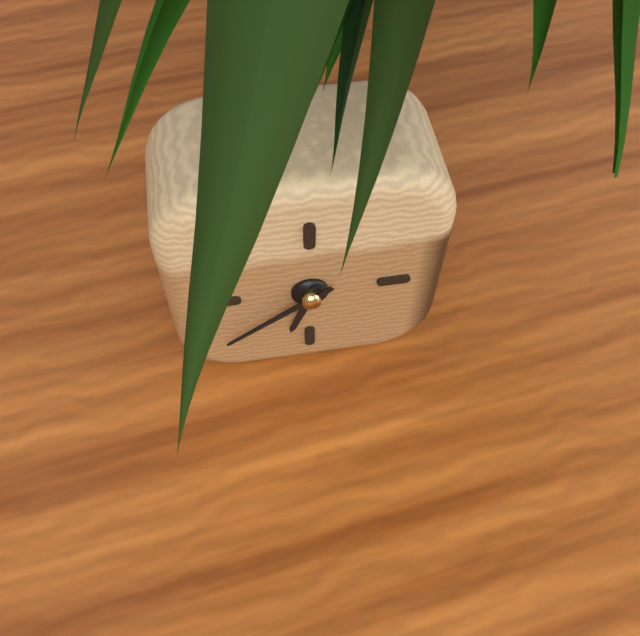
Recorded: h=6 m=39
